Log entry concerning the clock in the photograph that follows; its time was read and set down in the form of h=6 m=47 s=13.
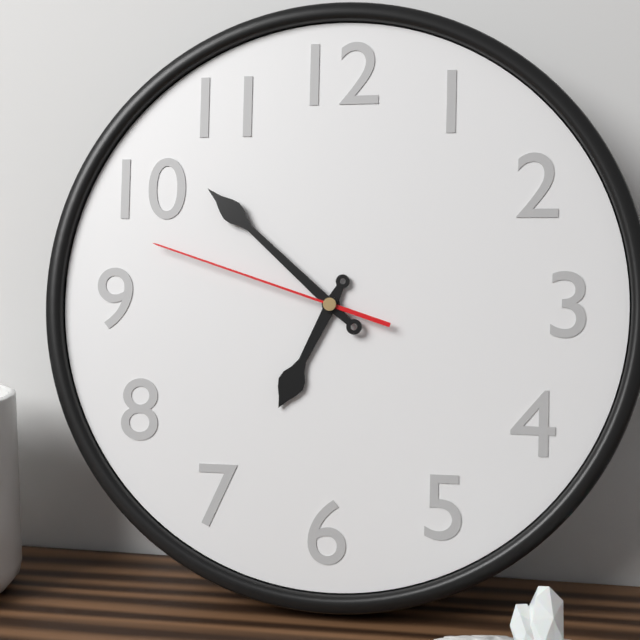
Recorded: h=6 m=52 s=48
